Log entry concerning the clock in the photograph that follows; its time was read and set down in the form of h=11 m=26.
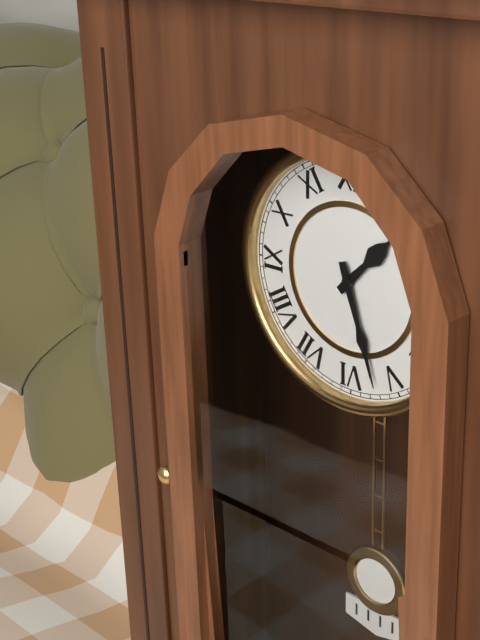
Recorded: h=1 m=27
